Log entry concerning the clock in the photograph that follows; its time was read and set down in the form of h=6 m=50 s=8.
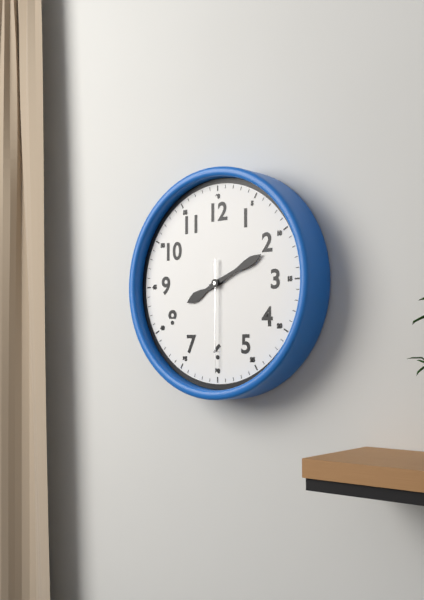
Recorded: h=8 m=11 s=30
